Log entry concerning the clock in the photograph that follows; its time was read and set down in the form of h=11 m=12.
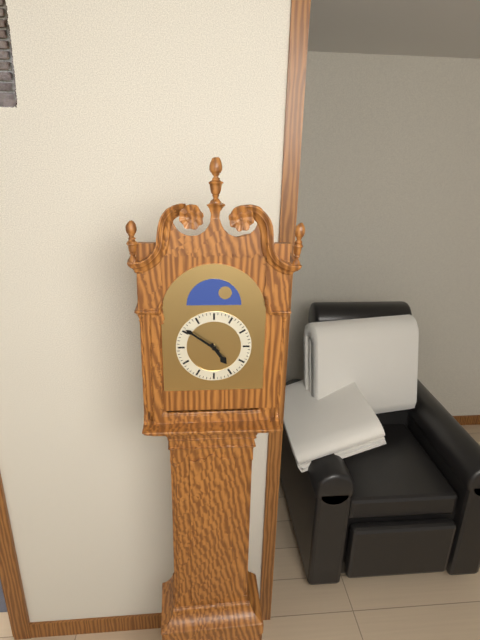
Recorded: h=4 m=51
